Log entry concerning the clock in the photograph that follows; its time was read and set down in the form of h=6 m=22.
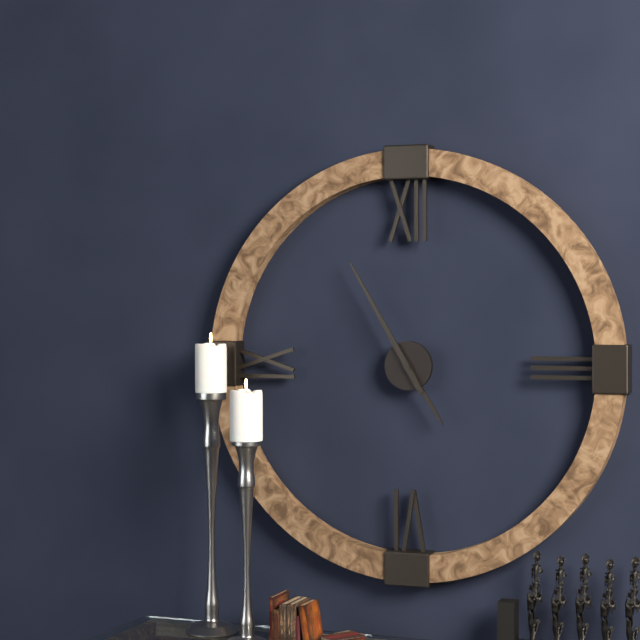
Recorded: h=4 m=55
